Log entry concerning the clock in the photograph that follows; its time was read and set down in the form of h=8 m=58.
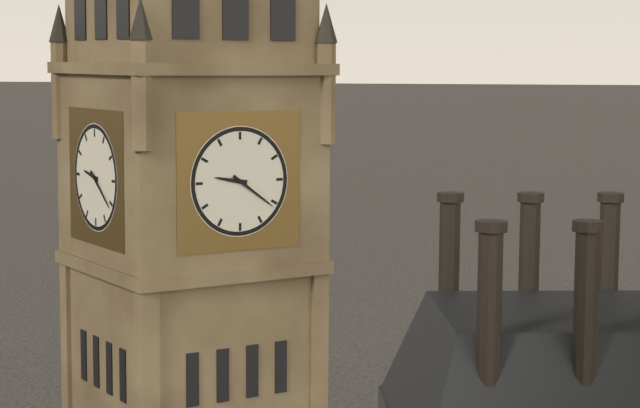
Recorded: h=9 m=21
